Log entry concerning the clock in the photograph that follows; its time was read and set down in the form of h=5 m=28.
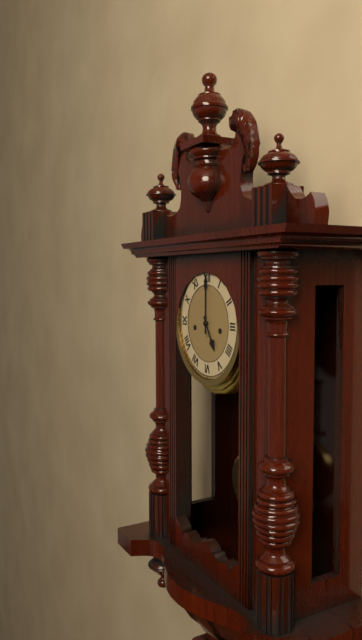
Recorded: h=5 m=0
